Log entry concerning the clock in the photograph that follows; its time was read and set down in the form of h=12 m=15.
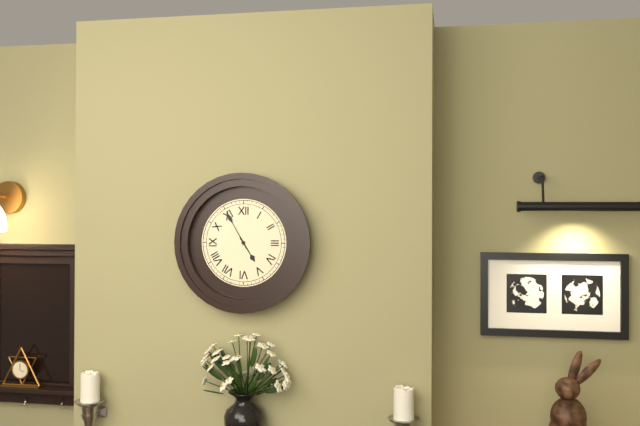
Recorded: h=4 m=55
